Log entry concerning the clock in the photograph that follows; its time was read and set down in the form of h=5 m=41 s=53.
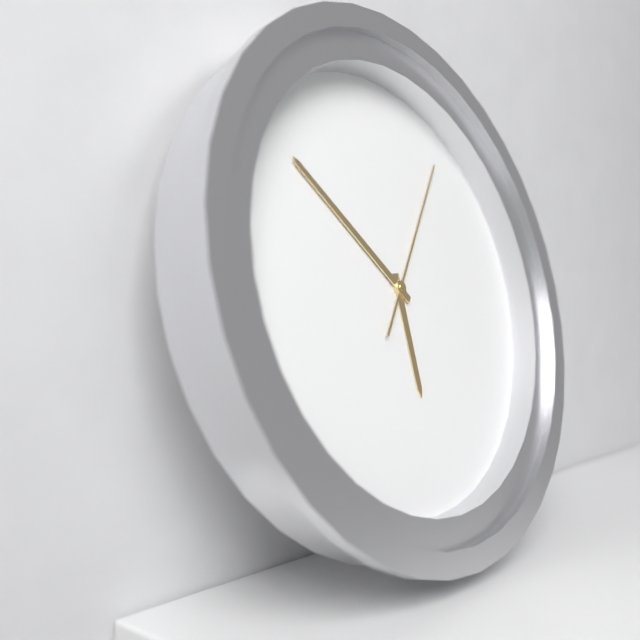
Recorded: h=5 m=52 s=6
